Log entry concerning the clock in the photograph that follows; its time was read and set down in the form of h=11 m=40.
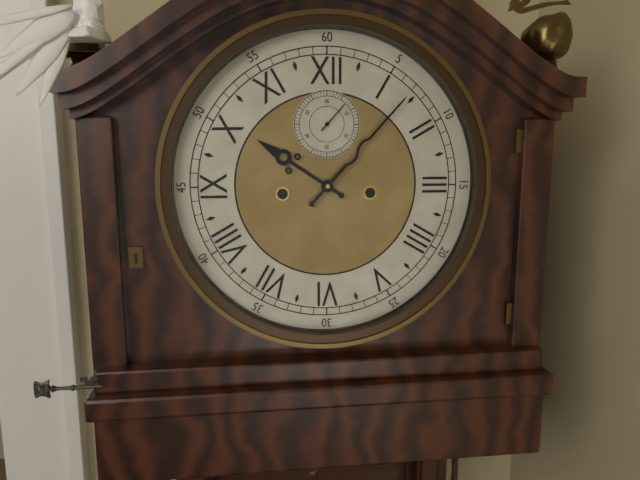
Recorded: h=10 m=7
